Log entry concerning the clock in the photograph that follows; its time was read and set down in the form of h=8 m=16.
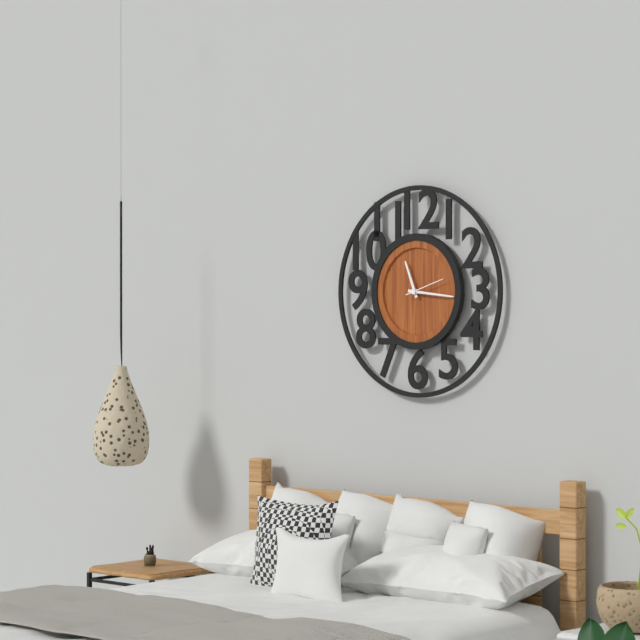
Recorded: h=11 m=16
